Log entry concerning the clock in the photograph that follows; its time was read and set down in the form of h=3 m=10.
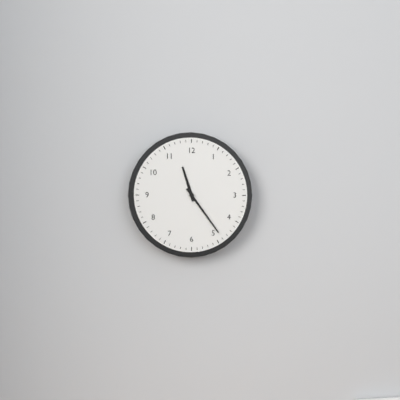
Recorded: h=11 m=24
